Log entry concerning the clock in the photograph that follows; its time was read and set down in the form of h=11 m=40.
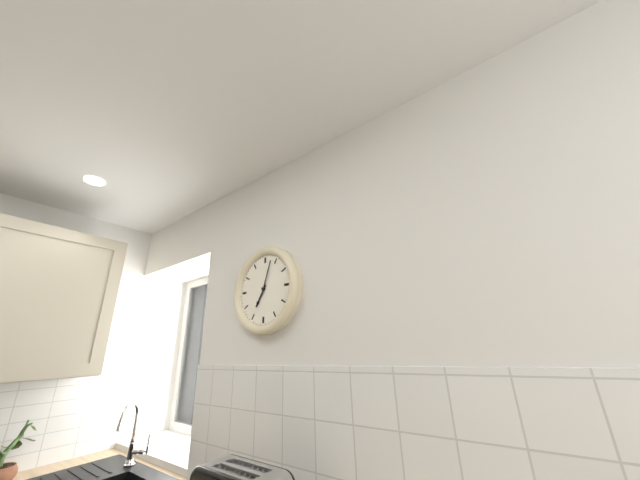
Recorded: h=7 m=3
